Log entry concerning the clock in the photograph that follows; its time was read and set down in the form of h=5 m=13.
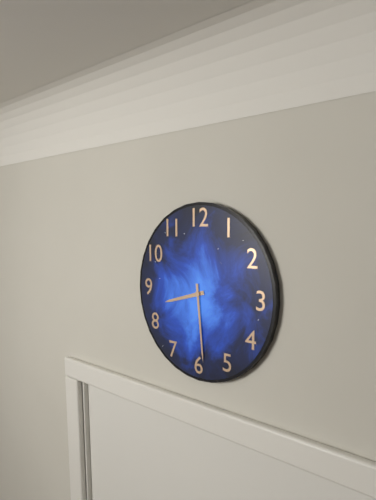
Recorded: h=8 m=29
